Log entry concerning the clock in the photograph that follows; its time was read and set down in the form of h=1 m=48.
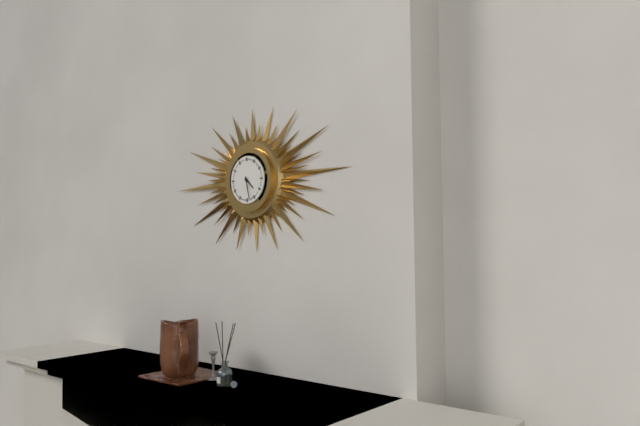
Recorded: h=4 m=28
